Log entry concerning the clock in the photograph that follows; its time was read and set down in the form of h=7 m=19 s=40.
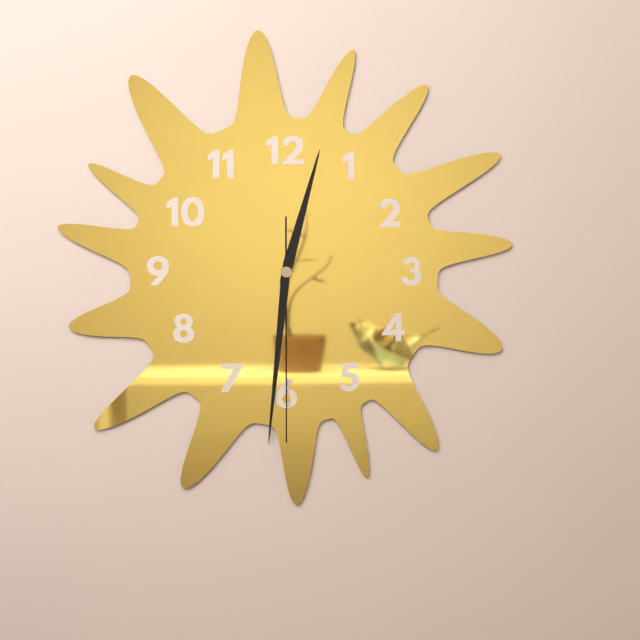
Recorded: h=12 m=31 s=30
